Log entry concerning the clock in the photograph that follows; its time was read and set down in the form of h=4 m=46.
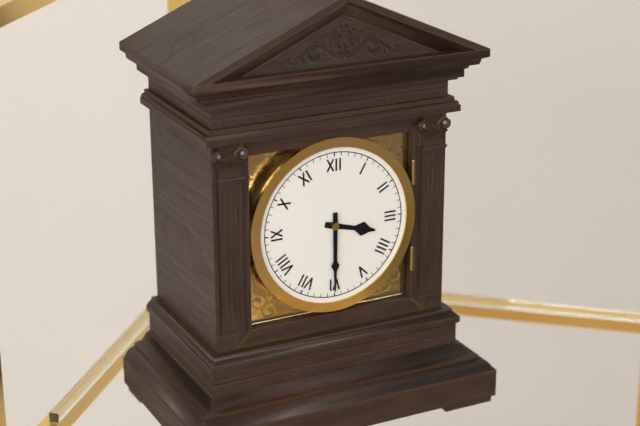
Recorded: h=3 m=30
